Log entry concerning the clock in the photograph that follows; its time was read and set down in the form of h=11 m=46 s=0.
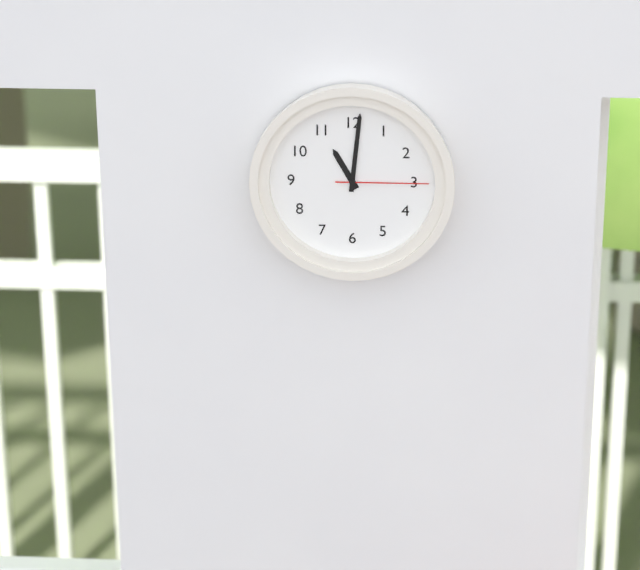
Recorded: h=11 m=1 s=15
